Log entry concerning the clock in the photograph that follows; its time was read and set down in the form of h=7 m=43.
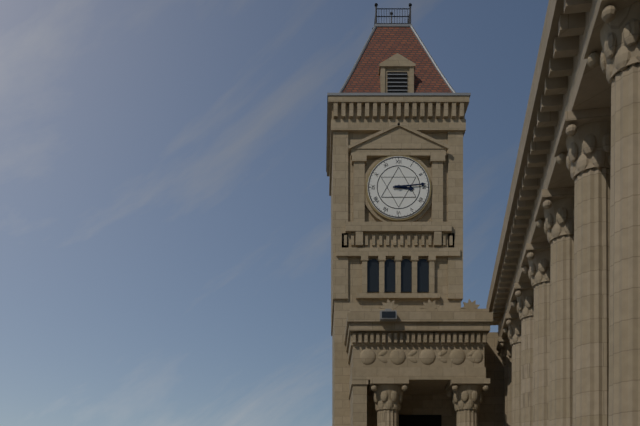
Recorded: h=3 m=14
